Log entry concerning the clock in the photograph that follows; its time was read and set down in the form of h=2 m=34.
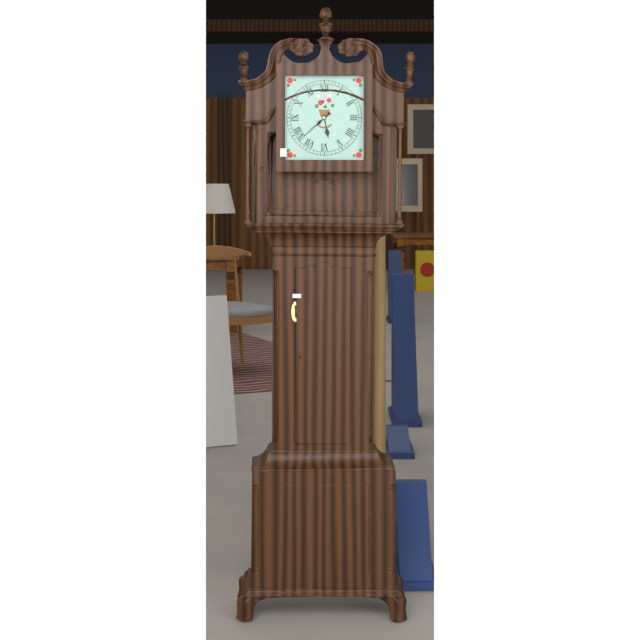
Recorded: h=5 m=38
